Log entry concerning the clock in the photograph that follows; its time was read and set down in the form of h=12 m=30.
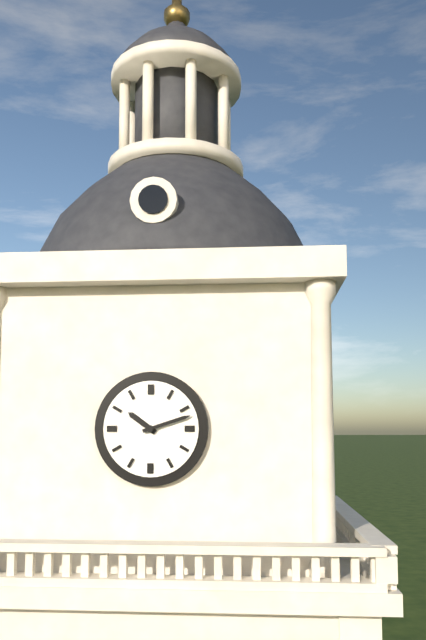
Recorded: h=10 m=12
